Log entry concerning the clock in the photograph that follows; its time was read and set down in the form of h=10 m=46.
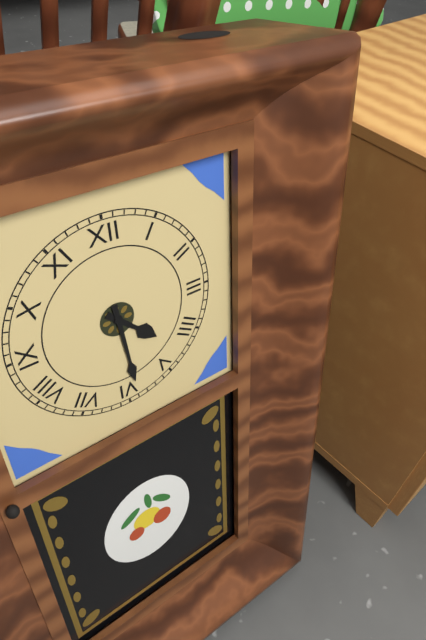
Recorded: h=4 m=29
